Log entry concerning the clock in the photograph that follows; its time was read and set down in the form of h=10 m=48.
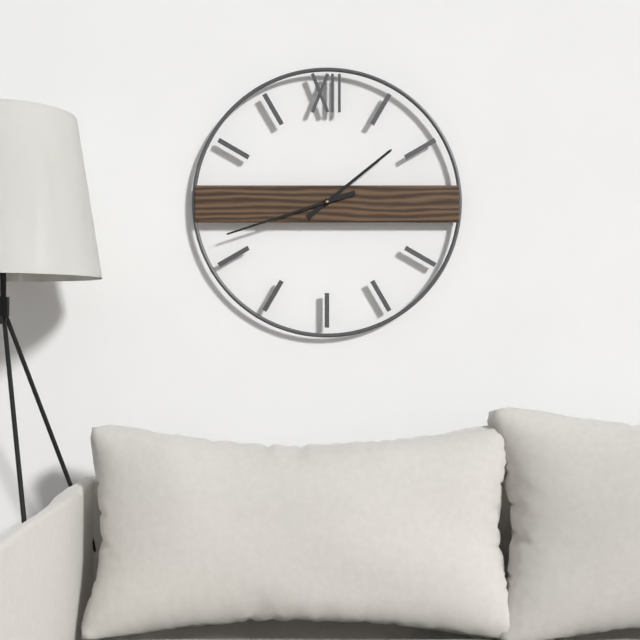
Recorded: h=1 m=42
